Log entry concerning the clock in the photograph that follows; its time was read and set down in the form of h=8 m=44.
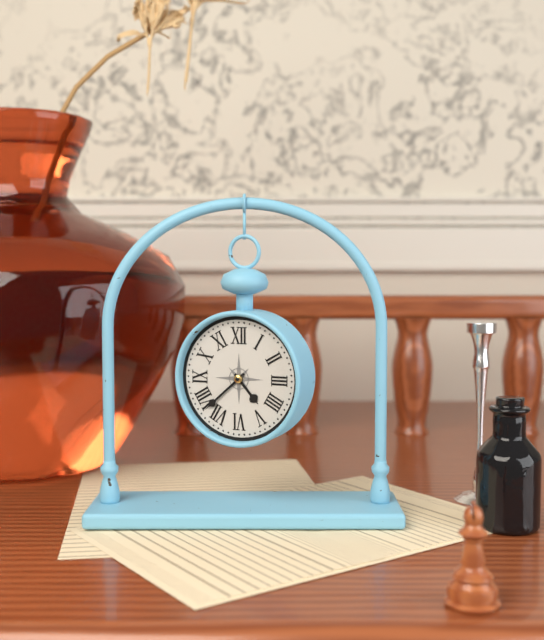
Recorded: h=4 m=38
